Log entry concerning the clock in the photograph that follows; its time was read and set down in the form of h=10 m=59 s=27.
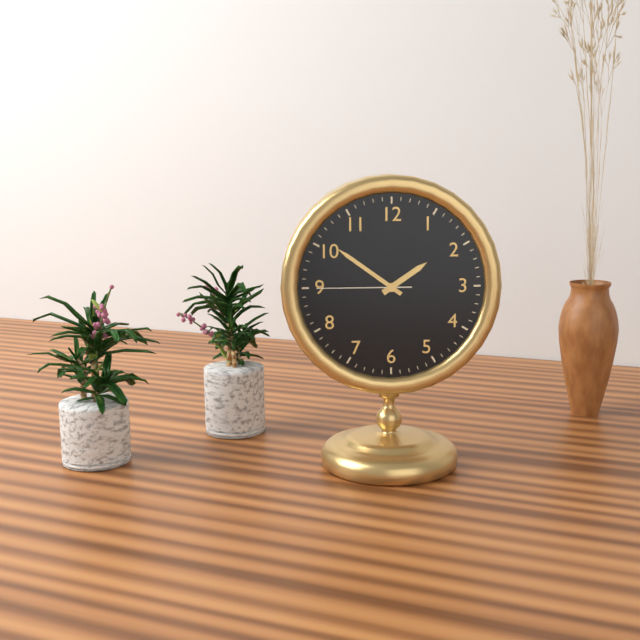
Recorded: h=1 m=51 s=45
